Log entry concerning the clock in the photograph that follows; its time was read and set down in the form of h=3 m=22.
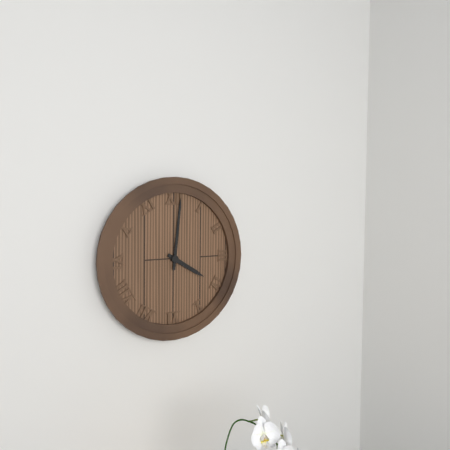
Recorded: h=4 m=1
